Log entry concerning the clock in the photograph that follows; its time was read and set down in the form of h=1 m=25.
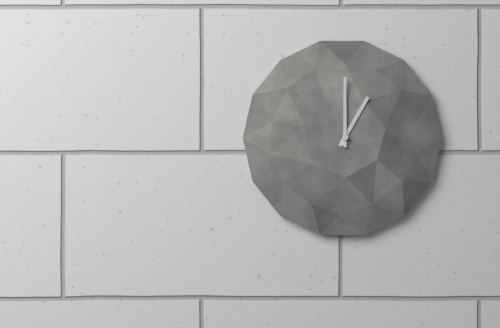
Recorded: h=1 m=0
